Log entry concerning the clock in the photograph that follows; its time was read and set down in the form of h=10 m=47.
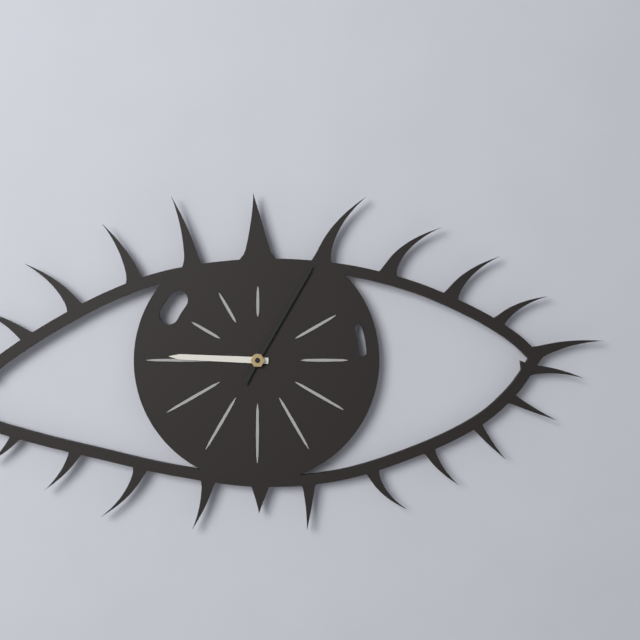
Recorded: h=9 m=5
